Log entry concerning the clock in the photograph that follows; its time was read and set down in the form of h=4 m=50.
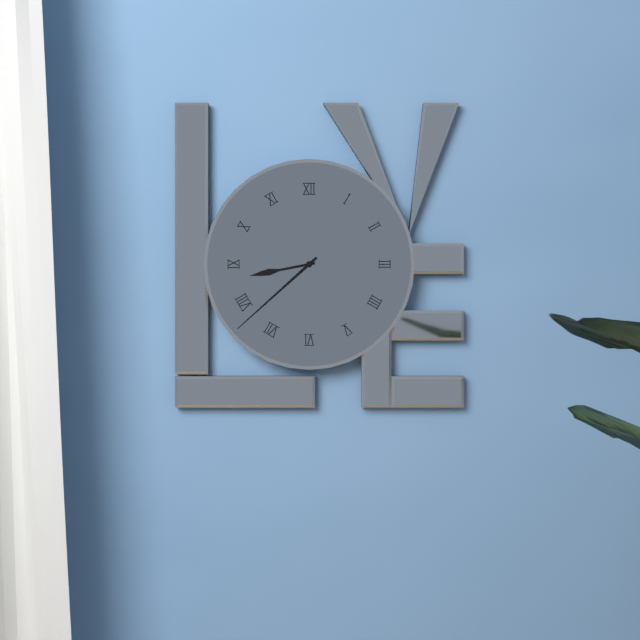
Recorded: h=8 m=38
